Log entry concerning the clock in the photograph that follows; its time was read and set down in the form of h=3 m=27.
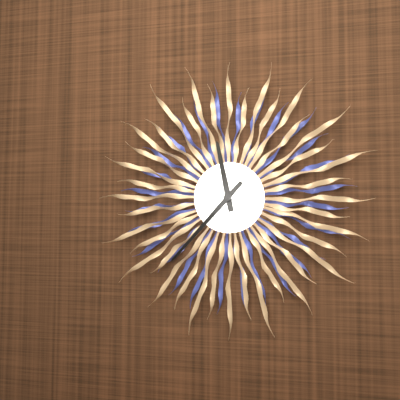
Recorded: h=11 m=37
